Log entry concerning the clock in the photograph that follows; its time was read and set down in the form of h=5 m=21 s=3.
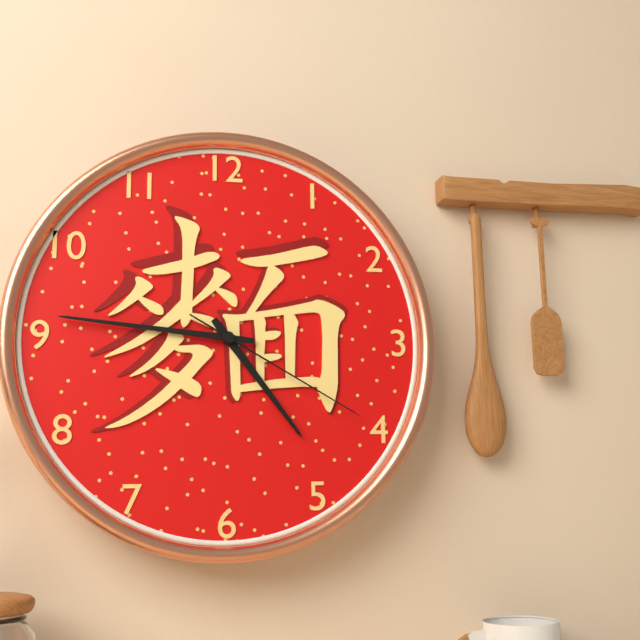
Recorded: h=4 m=46 s=20
